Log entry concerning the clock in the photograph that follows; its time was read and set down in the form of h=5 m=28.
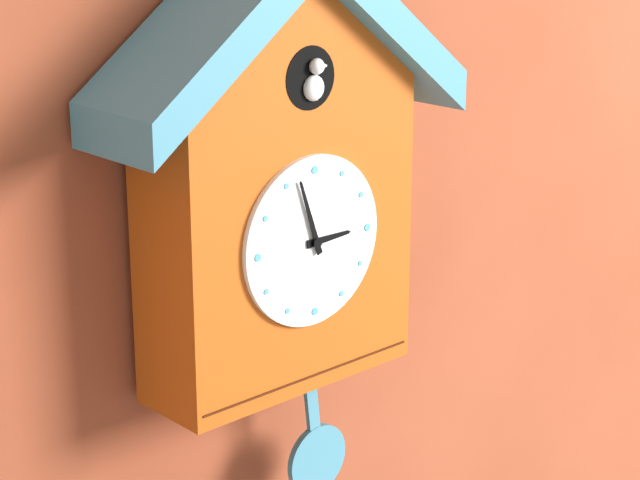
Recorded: h=2 m=57
